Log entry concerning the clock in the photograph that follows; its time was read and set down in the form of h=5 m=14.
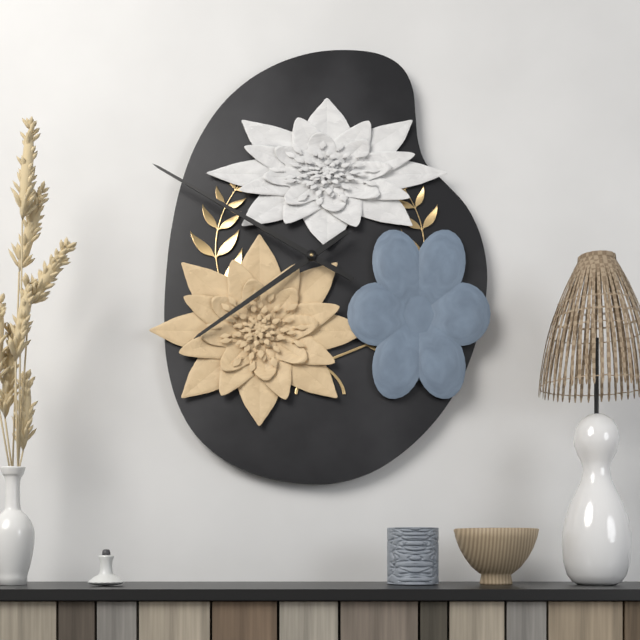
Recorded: h=7 m=50
